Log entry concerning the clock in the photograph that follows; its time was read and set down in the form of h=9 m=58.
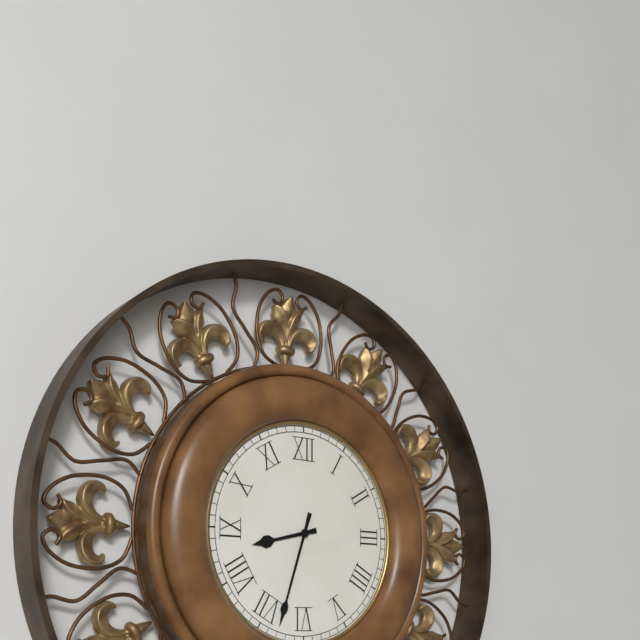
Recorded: h=8 m=33
